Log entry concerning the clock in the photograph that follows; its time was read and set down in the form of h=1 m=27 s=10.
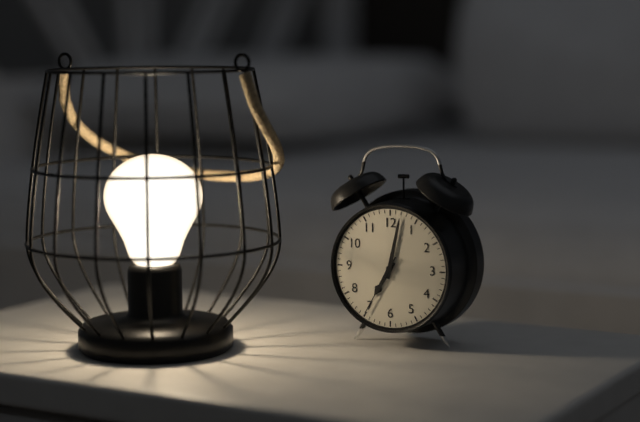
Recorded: h=7 m=2 s=35
